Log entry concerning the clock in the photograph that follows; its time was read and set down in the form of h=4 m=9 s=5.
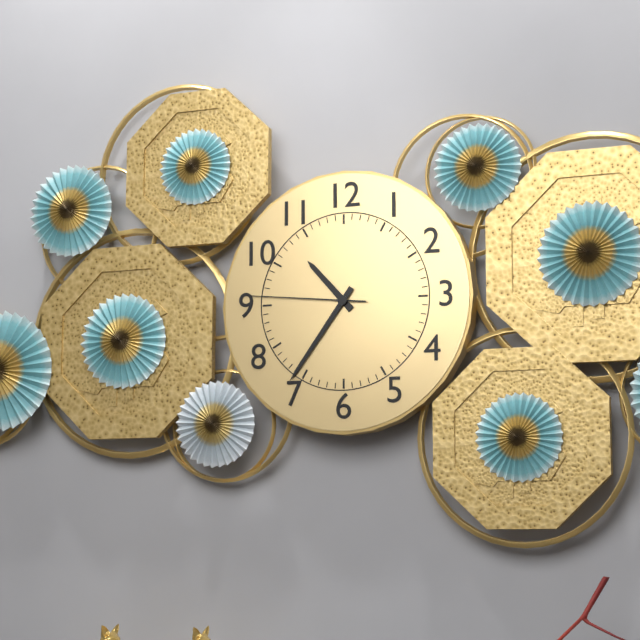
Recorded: h=10 m=36 s=46
